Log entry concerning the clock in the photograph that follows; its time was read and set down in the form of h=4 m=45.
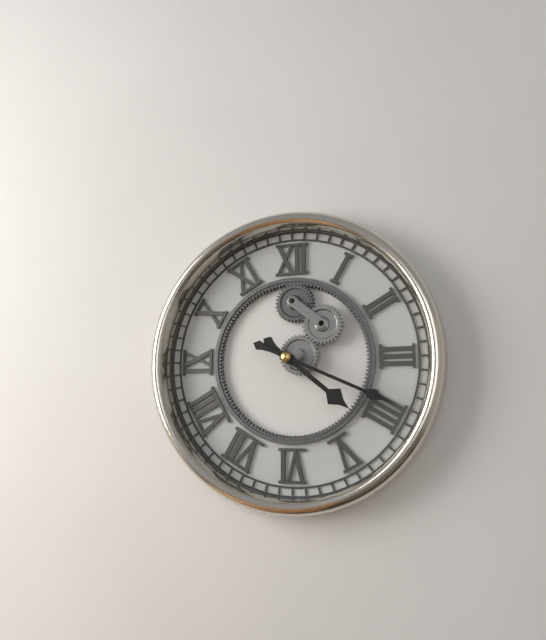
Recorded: h=4 m=19
